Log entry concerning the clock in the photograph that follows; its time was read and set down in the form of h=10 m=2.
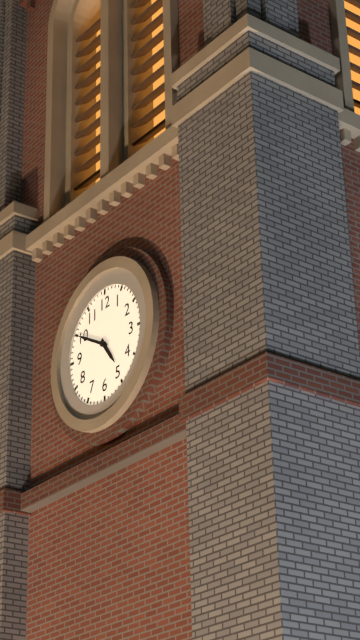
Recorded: h=4 m=50
